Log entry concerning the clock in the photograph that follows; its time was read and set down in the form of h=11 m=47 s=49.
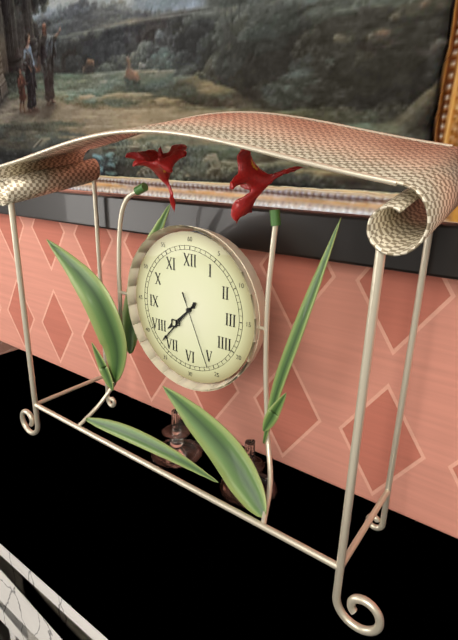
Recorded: h=7 m=37 s=26
